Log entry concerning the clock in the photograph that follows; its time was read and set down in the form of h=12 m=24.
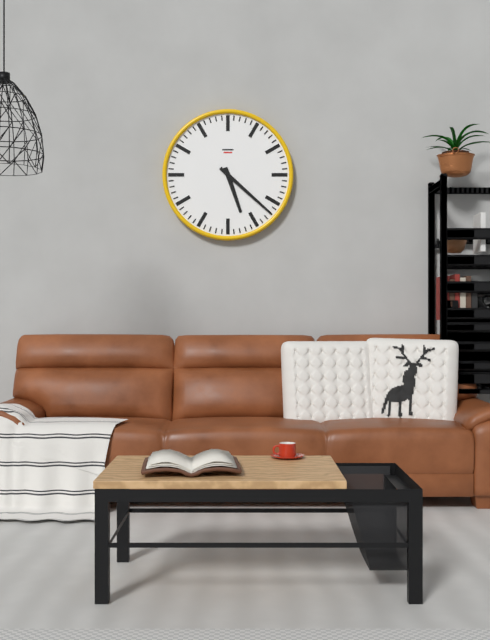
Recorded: h=5 m=22
